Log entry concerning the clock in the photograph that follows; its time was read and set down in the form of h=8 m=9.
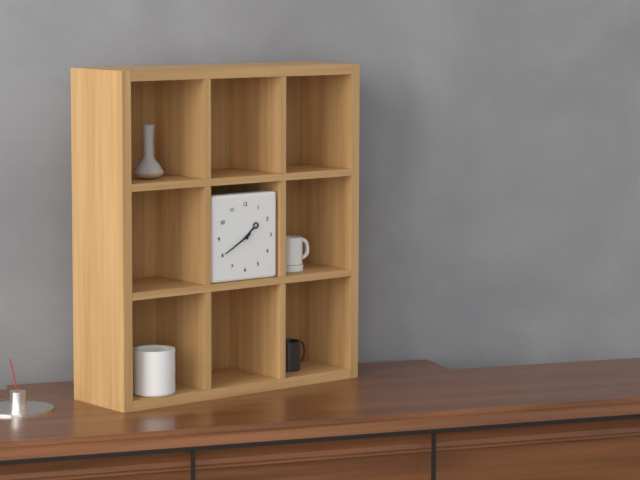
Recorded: h=1 m=40
